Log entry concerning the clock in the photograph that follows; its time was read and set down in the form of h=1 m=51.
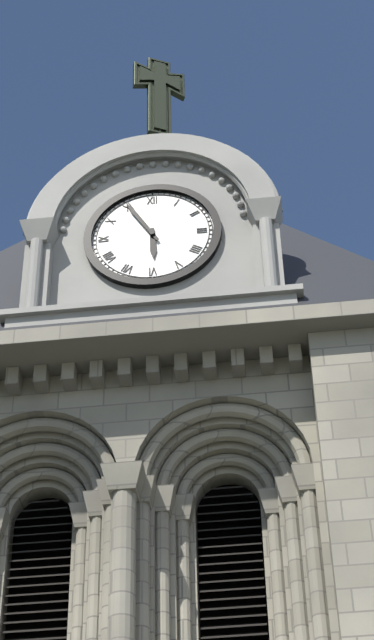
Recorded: h=5 m=55
